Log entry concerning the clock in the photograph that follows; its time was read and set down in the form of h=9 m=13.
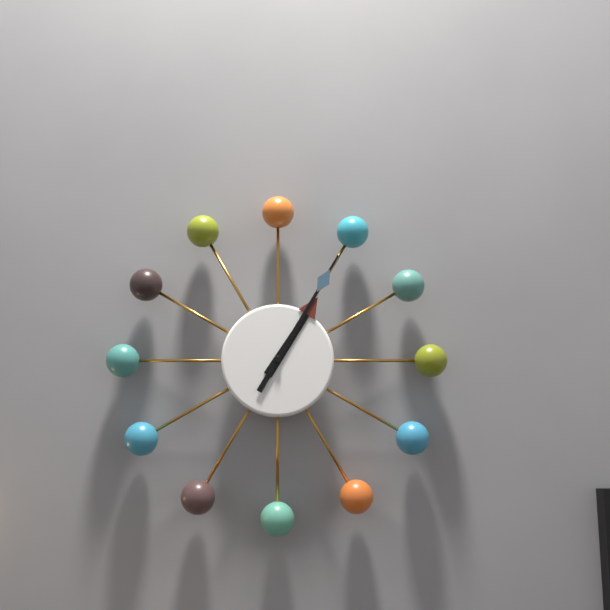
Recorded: h=1 m=5
